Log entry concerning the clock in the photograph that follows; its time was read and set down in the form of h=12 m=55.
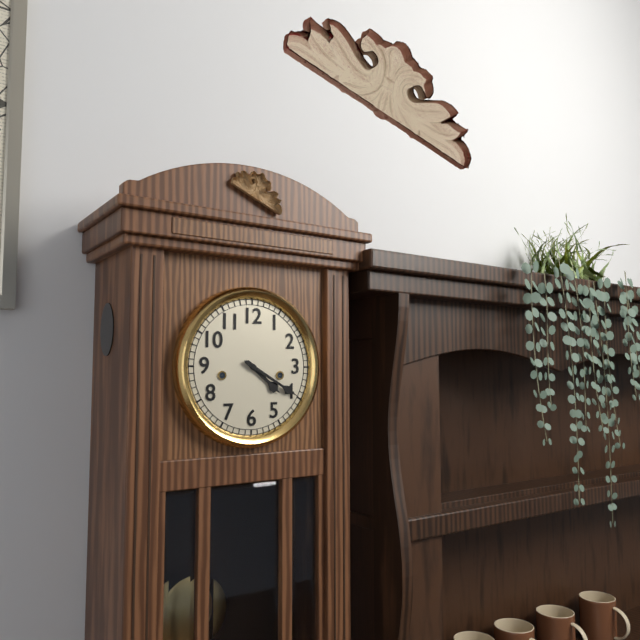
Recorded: h=4 m=20
